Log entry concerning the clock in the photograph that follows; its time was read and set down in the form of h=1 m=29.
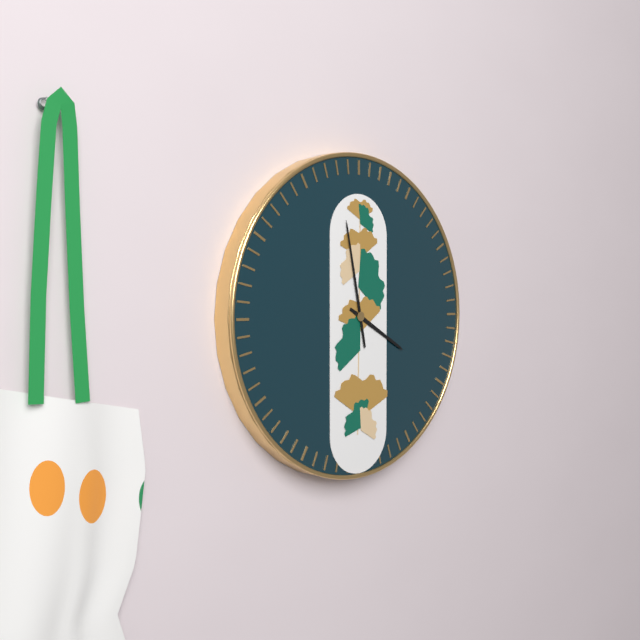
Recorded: h=3 m=58
